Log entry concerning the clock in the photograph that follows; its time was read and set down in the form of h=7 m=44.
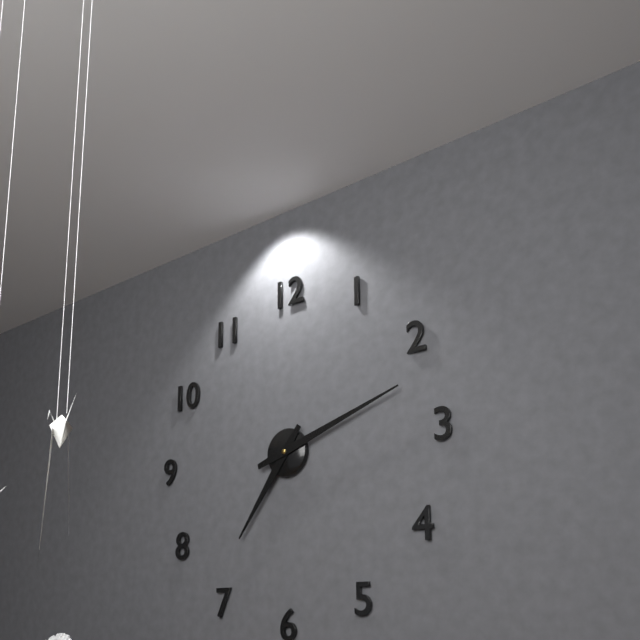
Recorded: h=7 m=12
